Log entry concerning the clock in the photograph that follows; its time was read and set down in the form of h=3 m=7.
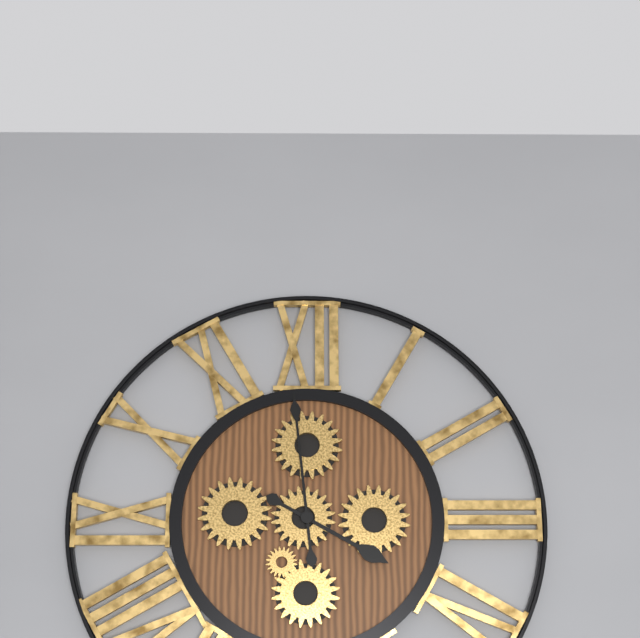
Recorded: h=3 m=59
